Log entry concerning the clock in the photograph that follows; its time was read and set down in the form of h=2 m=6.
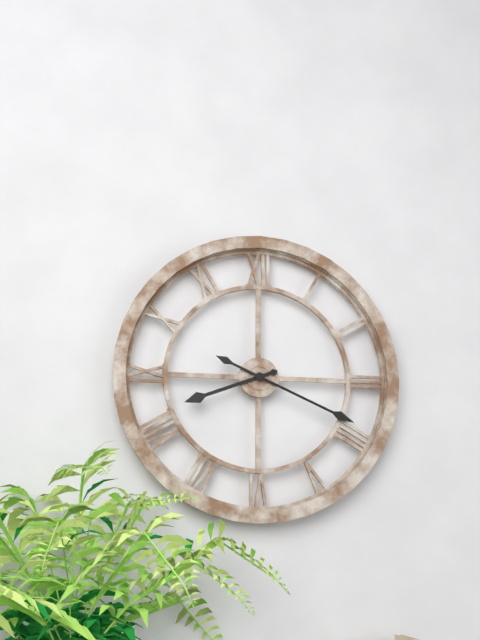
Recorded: h=8 m=19
